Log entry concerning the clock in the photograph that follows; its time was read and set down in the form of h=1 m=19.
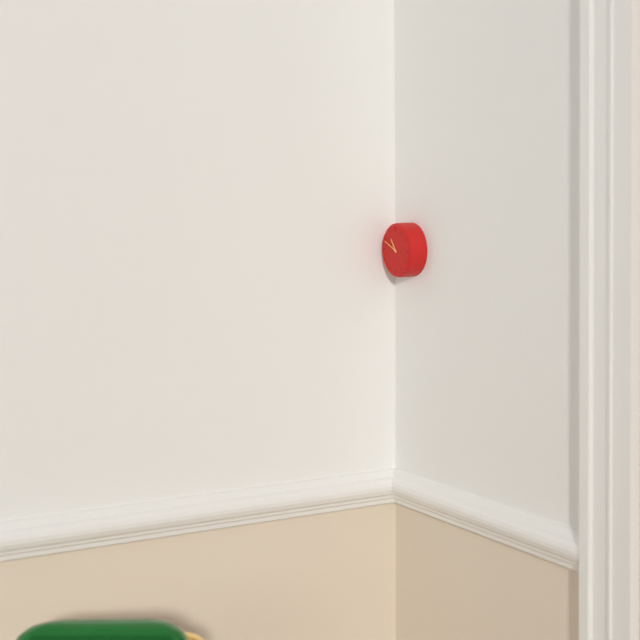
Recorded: h=10 m=49
